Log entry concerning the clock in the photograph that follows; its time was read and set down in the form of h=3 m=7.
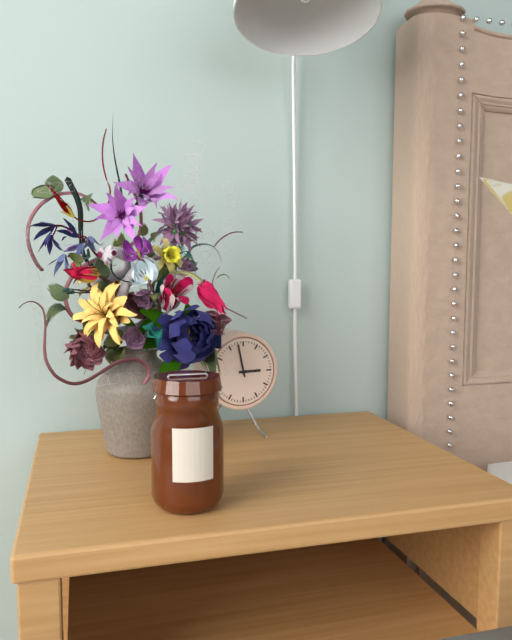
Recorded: h=2 m=58
